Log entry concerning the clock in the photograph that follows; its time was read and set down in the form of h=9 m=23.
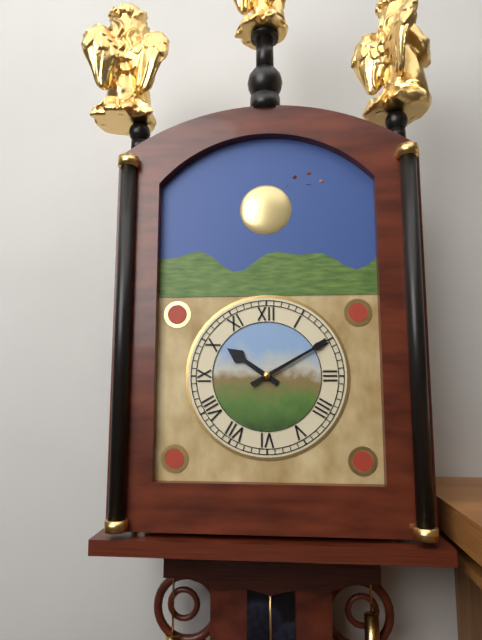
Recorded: h=10 m=10
